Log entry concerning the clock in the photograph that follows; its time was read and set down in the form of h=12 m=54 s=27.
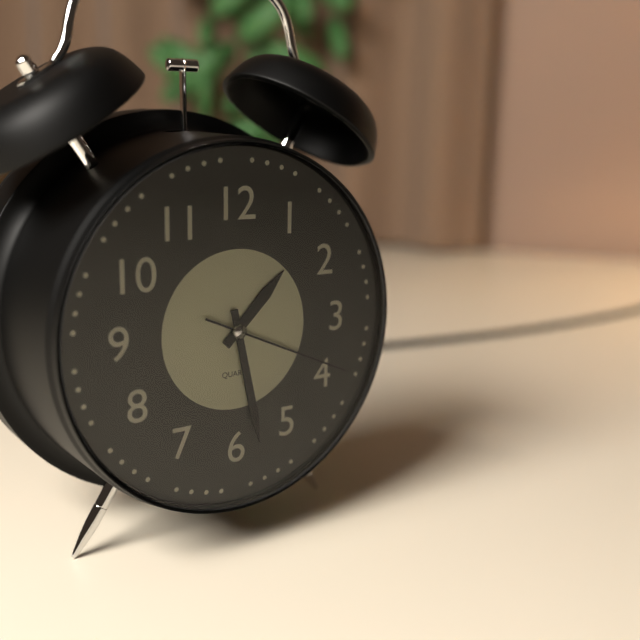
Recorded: h=1 m=28 s=19
